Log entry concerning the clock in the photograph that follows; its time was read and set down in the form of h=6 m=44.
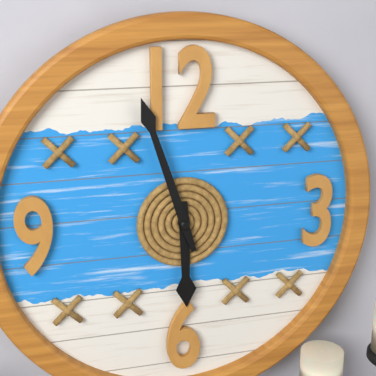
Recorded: h=5 m=57
